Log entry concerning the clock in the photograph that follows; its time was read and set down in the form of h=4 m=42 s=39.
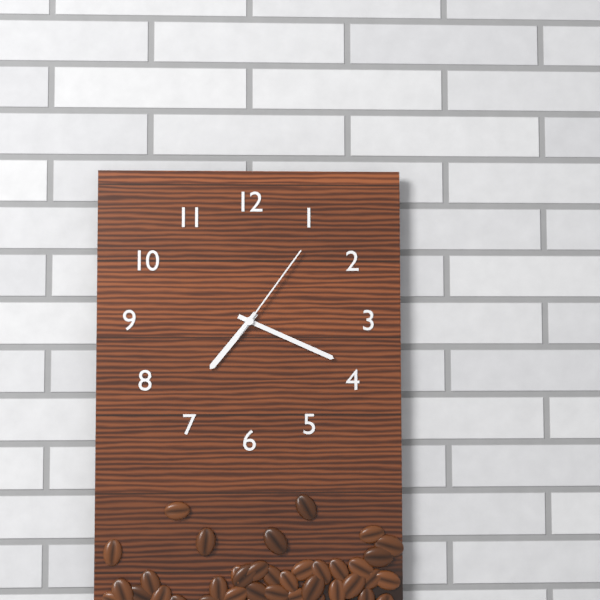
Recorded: h=7 m=19 s=6
